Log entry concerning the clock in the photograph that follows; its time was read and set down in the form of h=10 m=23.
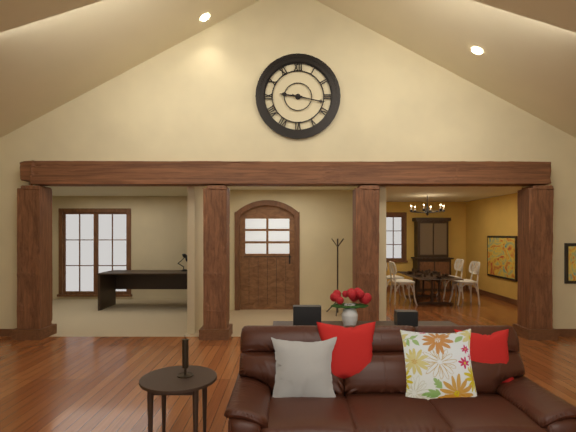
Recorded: h=9 m=17
